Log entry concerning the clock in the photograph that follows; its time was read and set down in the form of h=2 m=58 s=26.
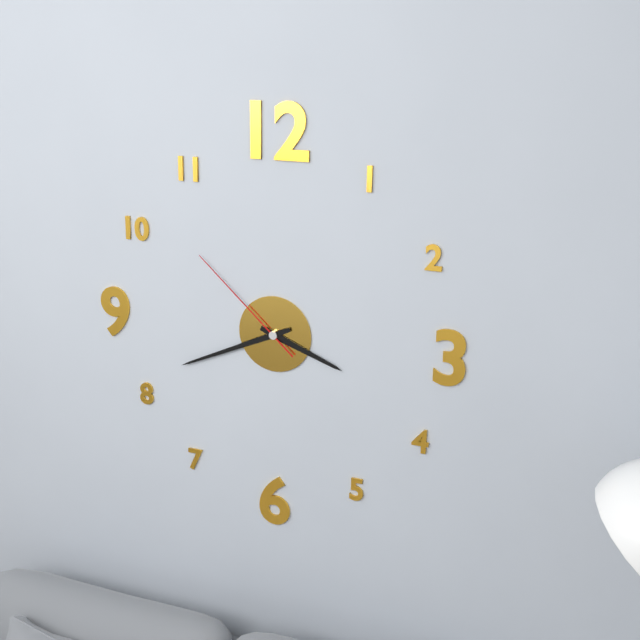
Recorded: h=3 m=41 s=52
